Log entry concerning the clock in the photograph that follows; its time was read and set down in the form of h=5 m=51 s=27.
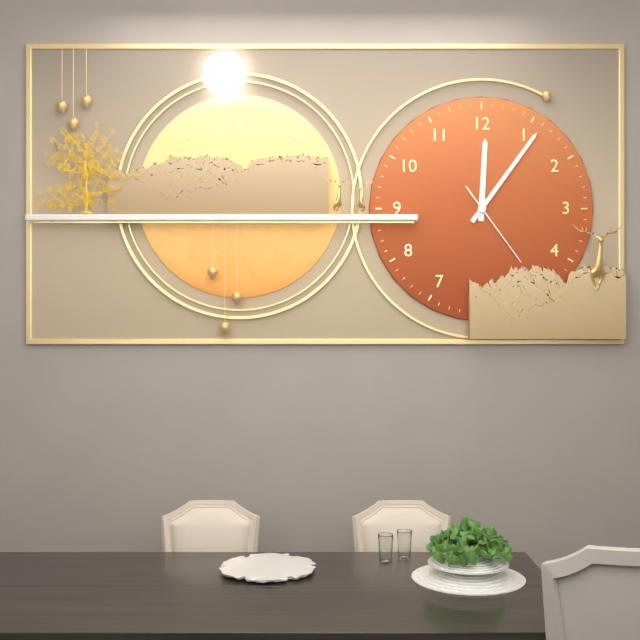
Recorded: h=12 m=6 s=24
